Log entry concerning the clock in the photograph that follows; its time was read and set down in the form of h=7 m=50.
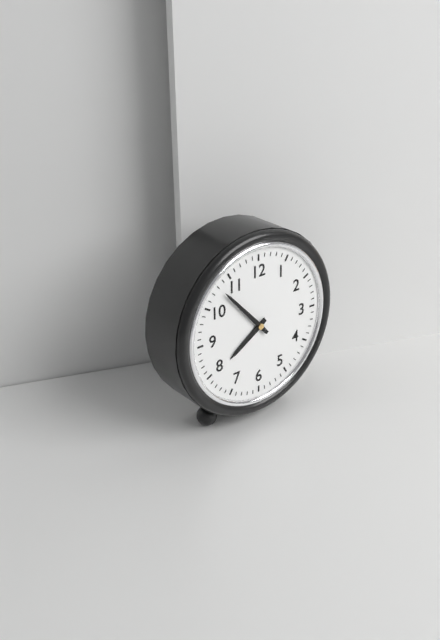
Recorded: h=7 m=53
